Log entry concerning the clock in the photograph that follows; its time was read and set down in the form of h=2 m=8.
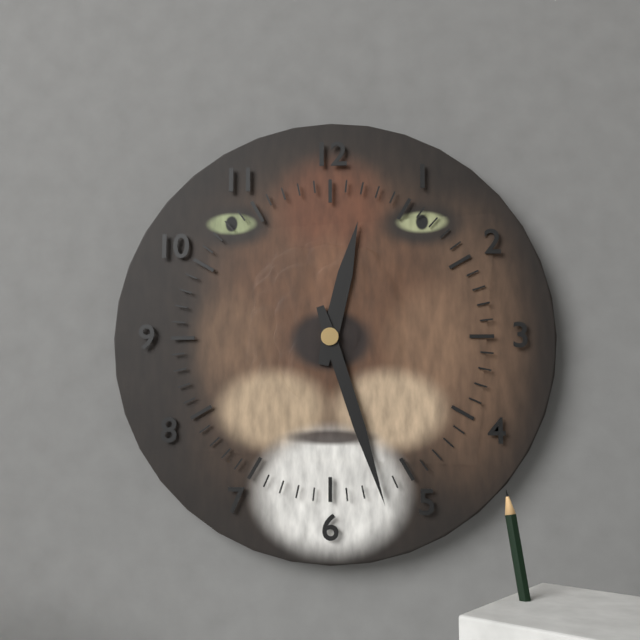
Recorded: h=12 m=27
